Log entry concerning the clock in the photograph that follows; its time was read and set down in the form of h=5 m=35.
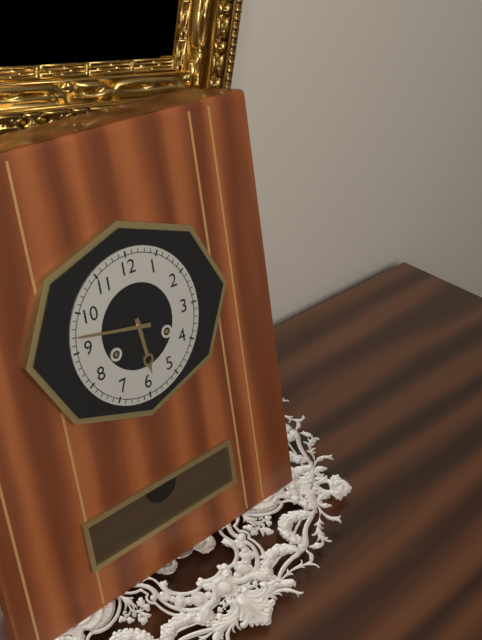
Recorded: h=5 m=47
